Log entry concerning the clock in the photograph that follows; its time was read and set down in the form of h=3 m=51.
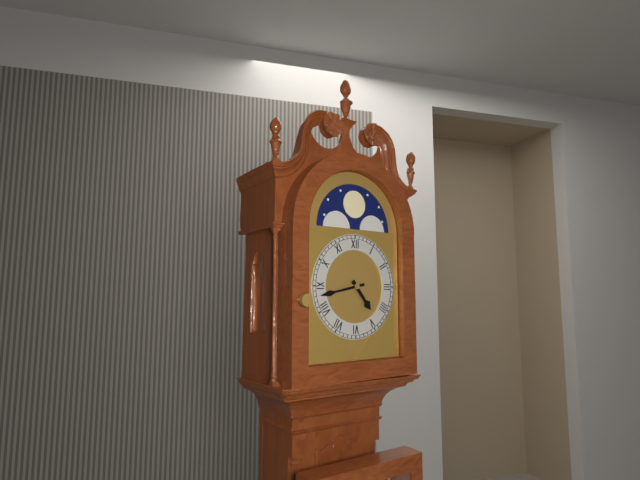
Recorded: h=4 m=43
